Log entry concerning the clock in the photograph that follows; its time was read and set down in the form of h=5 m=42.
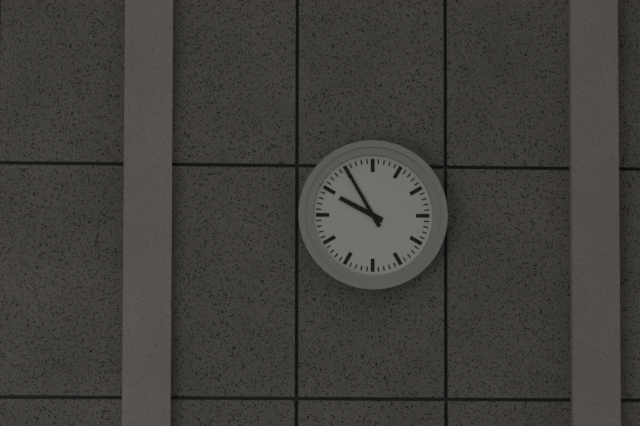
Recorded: h=9 m=55
